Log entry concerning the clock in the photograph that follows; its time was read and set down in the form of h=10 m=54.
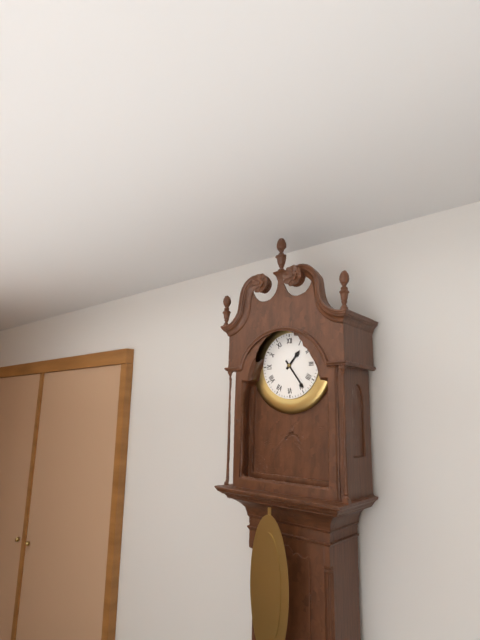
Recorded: h=1 m=24
